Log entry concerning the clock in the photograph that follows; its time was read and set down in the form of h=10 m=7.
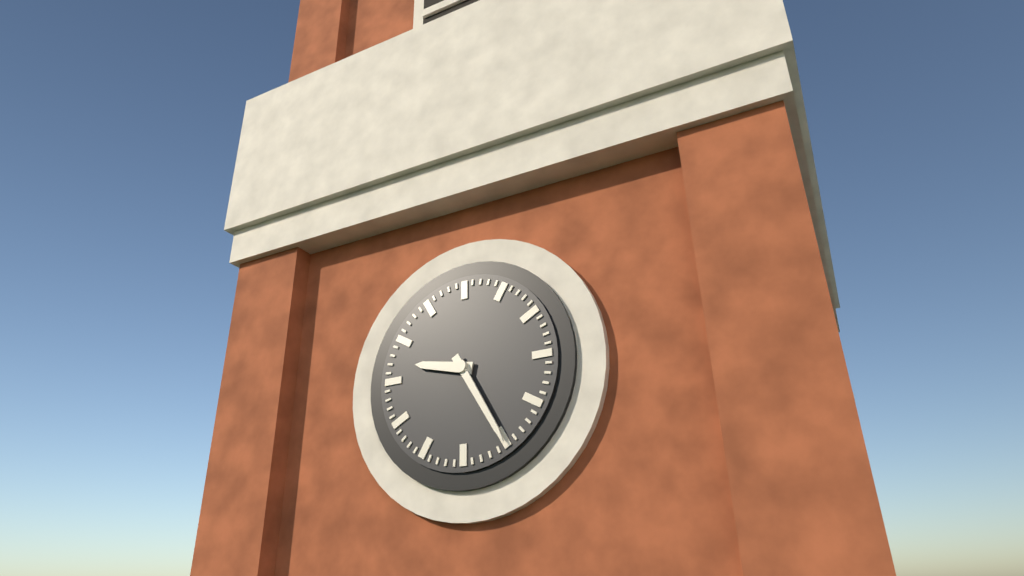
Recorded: h=9 m=25
